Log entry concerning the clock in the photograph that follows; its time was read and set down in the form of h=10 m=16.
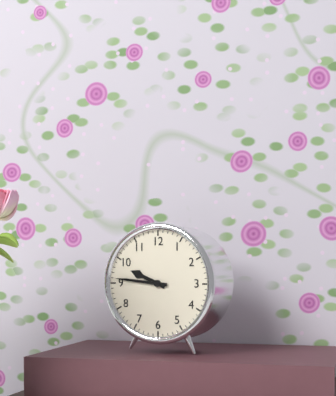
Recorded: h=9 m=46
